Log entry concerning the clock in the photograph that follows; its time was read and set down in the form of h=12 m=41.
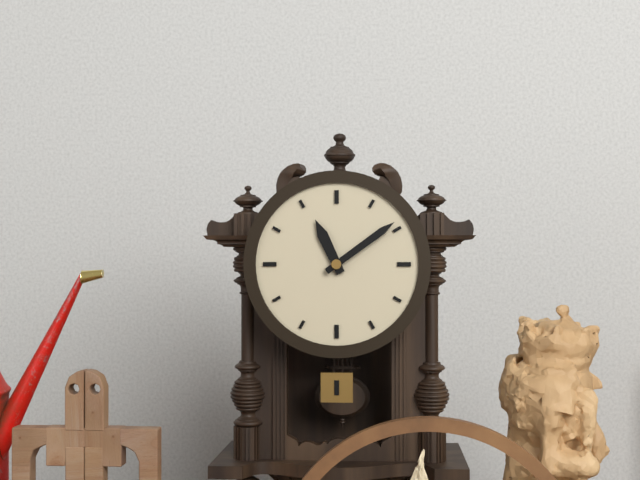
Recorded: h=11 m=9
